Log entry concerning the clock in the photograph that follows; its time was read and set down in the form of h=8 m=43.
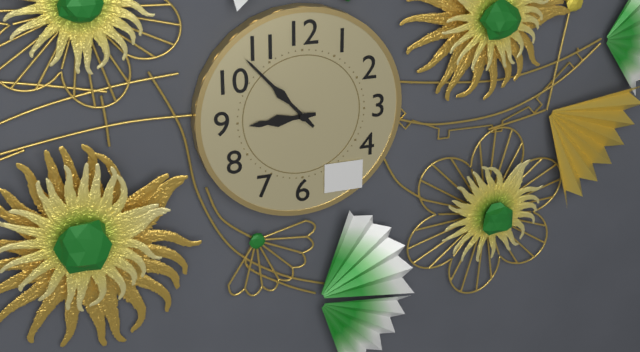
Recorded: h=8 m=53
